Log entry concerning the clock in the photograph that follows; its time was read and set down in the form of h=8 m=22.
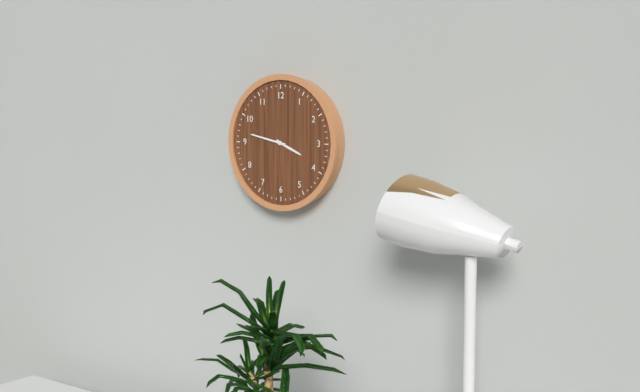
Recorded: h=3 m=47
